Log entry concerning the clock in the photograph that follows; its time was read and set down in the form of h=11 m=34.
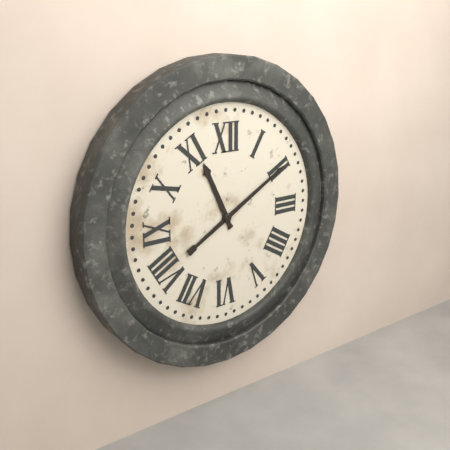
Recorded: h=11 m=10
